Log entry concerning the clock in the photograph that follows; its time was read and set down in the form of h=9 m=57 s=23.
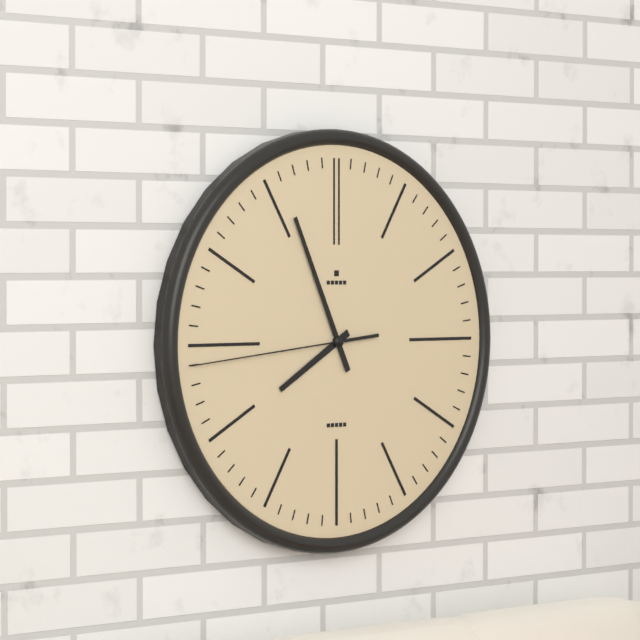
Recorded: h=7 m=56 s=44
